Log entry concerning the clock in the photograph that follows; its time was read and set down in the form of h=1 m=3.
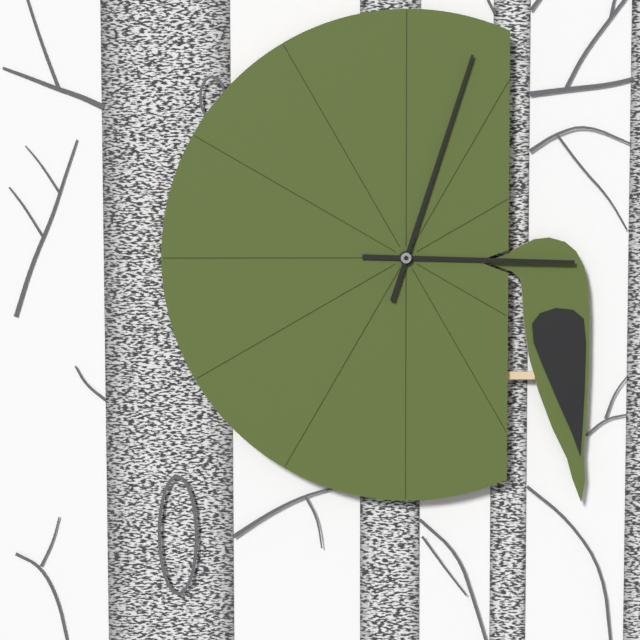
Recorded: h=3 m=3
